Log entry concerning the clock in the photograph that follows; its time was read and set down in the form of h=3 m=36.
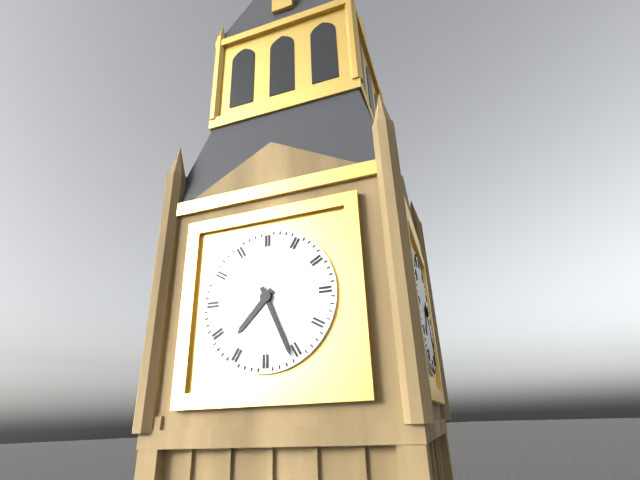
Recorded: h=7 m=26
